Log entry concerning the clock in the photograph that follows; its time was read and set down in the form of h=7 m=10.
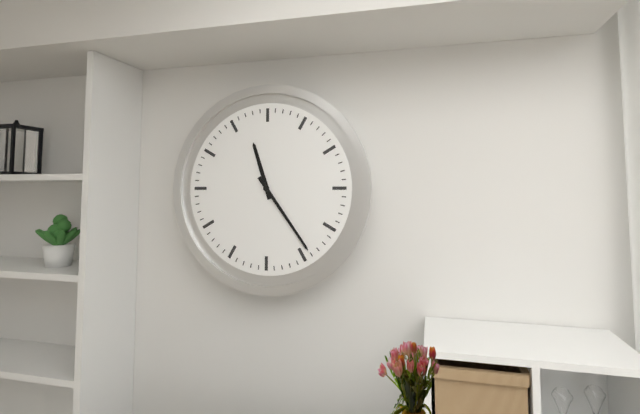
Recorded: h=11 m=24
